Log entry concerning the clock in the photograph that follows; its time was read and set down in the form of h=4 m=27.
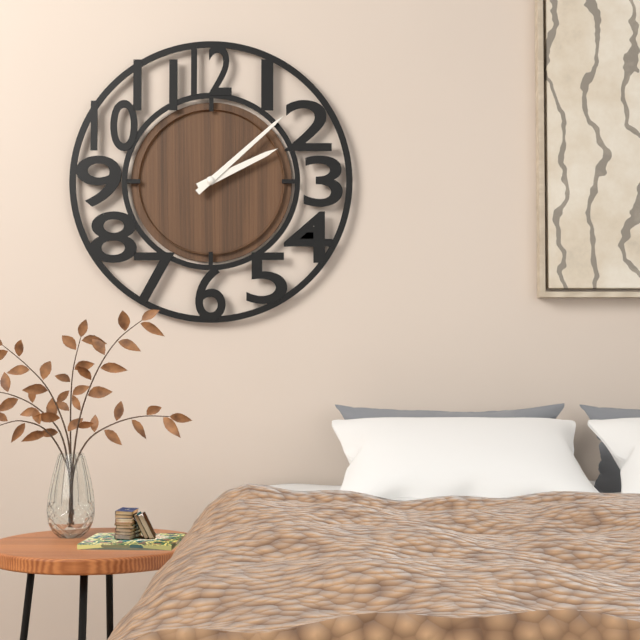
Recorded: h=2 m=8
